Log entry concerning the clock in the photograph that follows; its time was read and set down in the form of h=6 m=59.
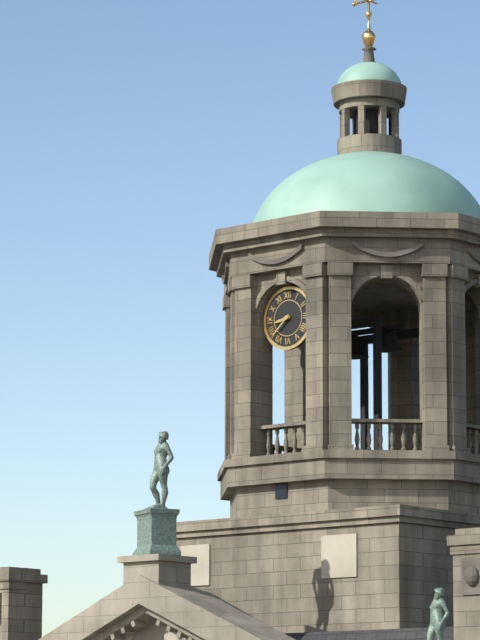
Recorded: h=8 m=38
